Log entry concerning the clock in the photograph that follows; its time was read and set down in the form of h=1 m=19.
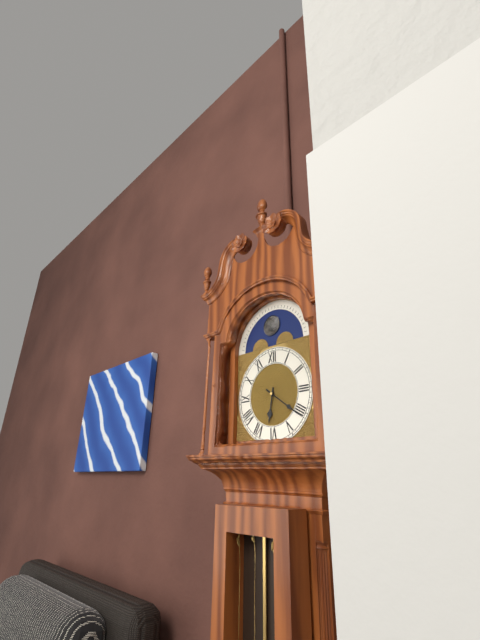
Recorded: h=6 m=21
